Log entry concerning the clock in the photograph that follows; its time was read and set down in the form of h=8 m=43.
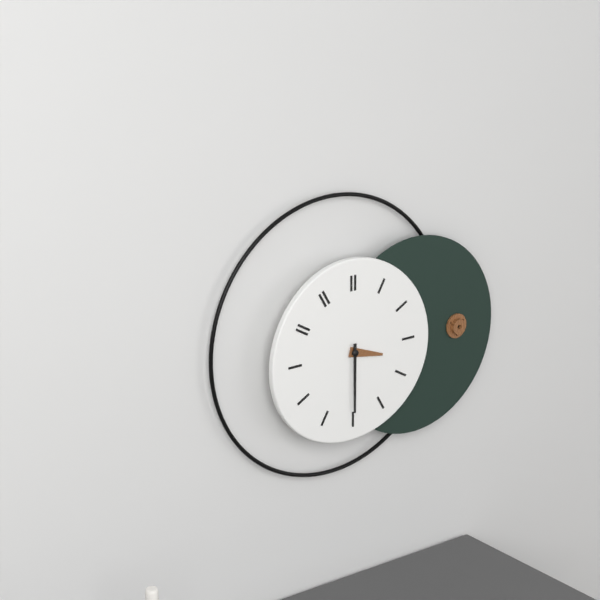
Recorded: h=3 m=30
